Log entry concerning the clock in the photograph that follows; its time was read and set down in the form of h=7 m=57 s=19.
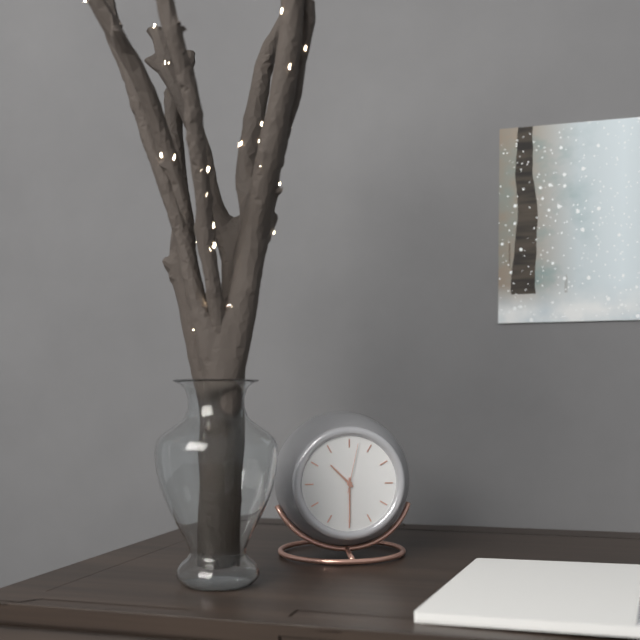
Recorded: h=10 m=30 s=2
